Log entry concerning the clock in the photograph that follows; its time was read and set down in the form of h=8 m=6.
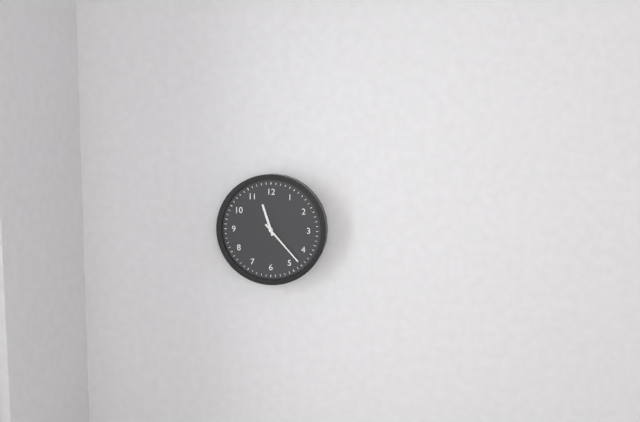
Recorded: h=11 m=23
